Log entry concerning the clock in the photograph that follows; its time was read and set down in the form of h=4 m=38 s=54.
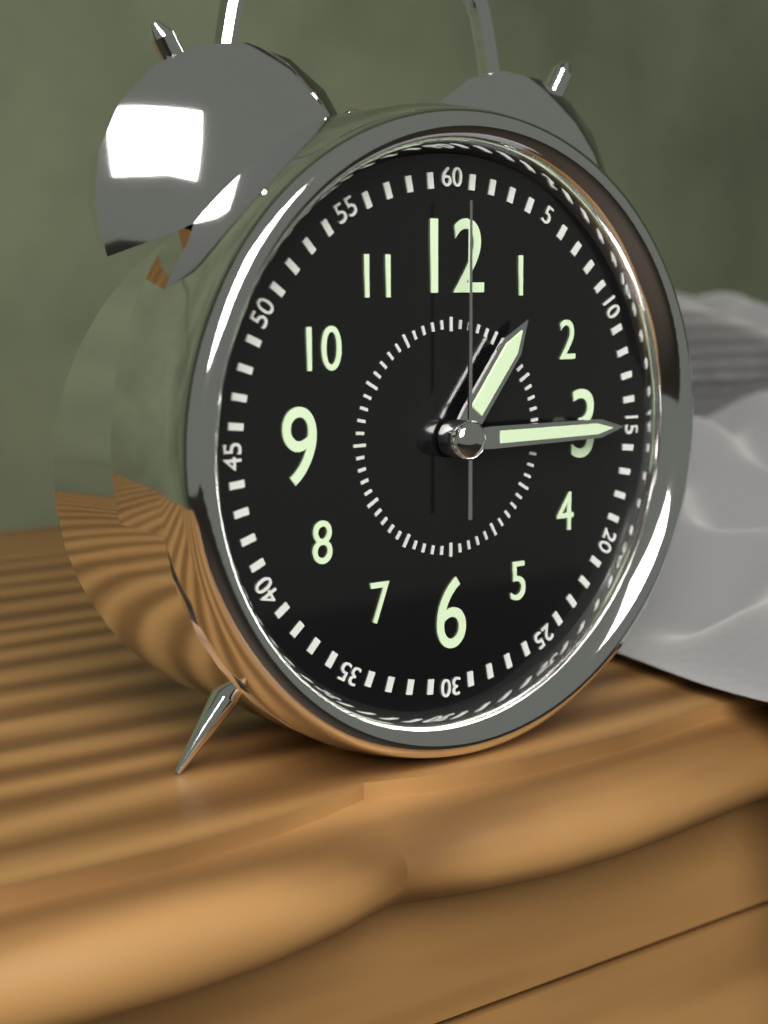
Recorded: h=1 m=15 s=0
